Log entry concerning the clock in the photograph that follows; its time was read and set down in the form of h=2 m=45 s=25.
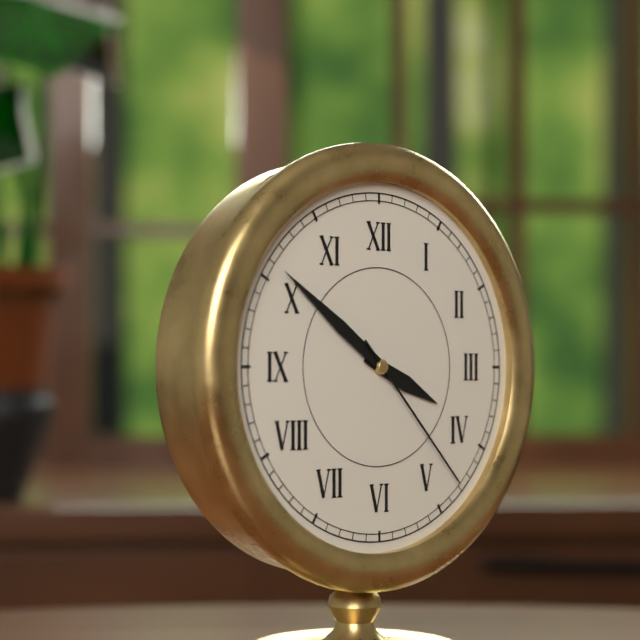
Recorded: h=3 m=51 s=23
